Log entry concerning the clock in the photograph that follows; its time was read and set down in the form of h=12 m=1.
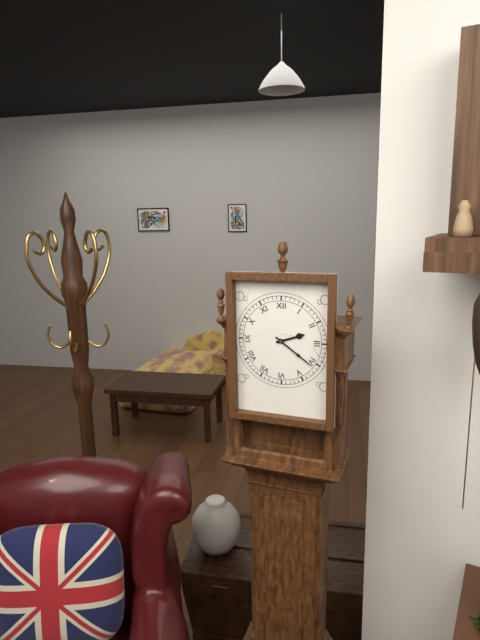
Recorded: h=2 m=21
